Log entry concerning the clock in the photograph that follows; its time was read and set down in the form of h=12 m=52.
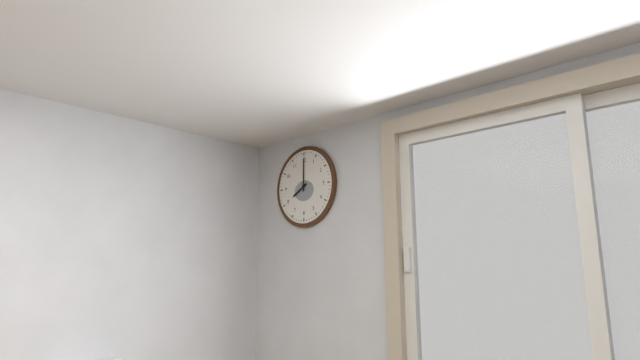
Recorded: h=8 m=0
